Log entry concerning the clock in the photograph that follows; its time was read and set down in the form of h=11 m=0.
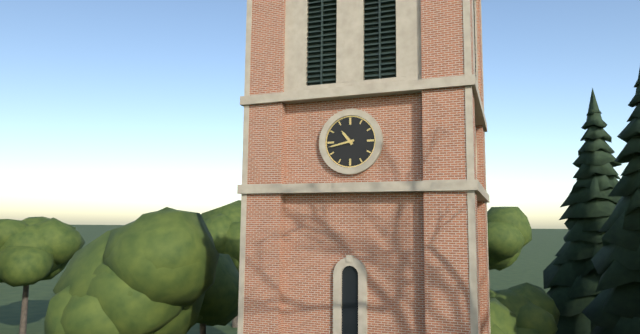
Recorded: h=10 m=43
